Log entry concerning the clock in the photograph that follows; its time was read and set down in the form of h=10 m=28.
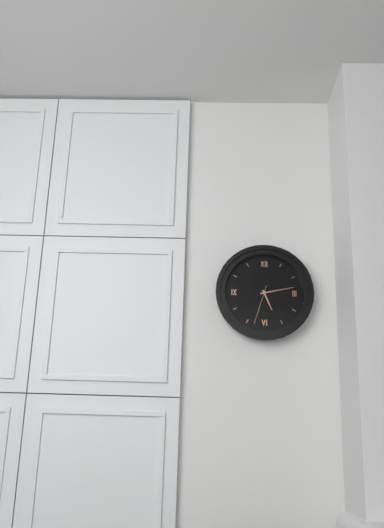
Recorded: h=5 m=13
